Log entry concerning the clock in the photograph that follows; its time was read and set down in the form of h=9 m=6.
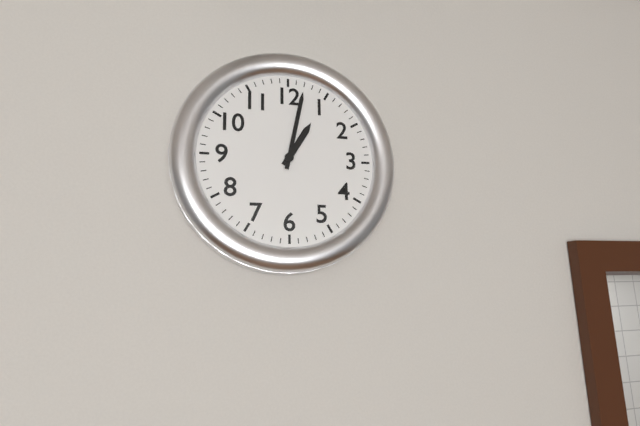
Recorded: h=1 m=2
